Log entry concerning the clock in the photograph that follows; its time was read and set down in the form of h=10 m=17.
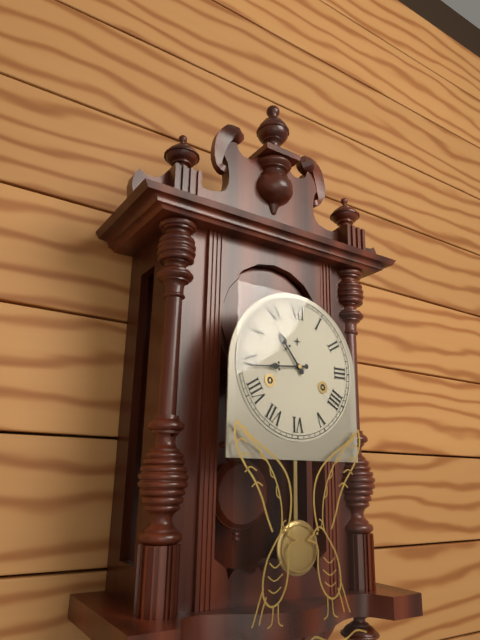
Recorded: h=10 m=44
